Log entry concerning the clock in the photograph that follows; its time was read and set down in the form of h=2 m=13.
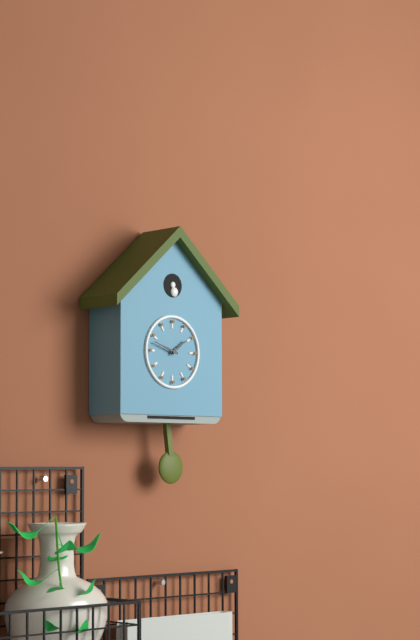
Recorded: h=1 m=48
